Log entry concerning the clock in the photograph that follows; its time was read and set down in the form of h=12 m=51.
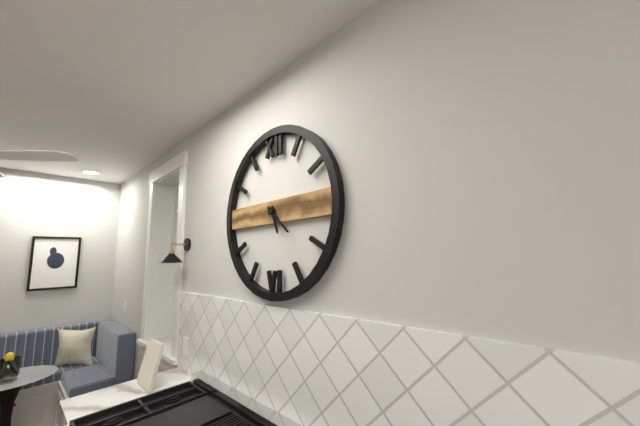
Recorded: h=5 m=22
